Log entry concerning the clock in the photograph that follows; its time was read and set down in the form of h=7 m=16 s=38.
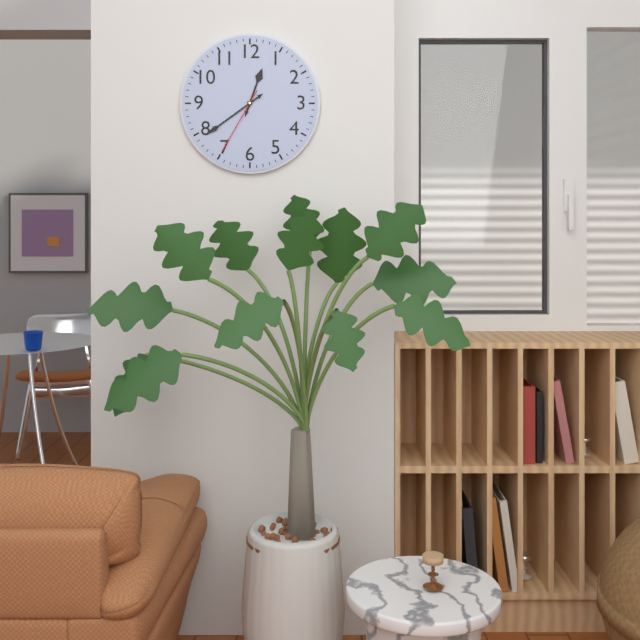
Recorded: h=12 m=39 s=35
